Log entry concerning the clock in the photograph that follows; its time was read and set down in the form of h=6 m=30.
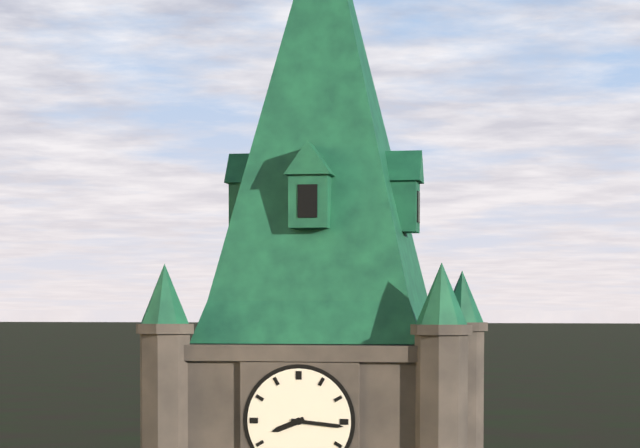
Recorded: h=8 m=16
